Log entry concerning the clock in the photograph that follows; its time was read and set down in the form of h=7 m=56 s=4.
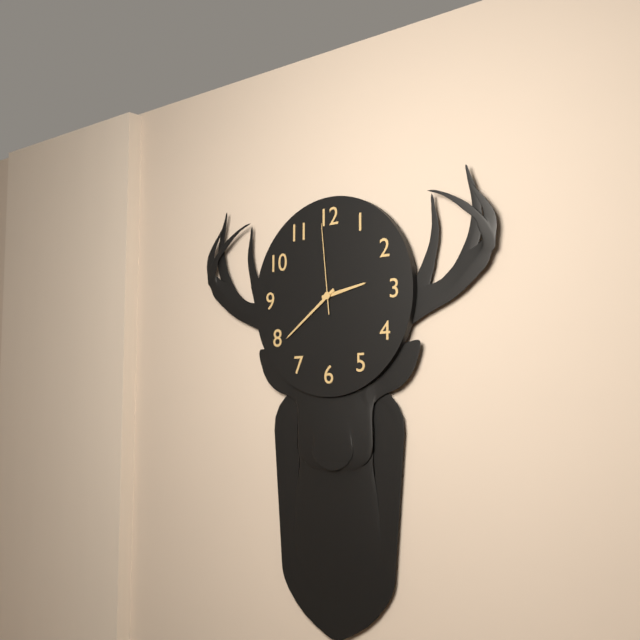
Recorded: h=2 m=39 s=59
